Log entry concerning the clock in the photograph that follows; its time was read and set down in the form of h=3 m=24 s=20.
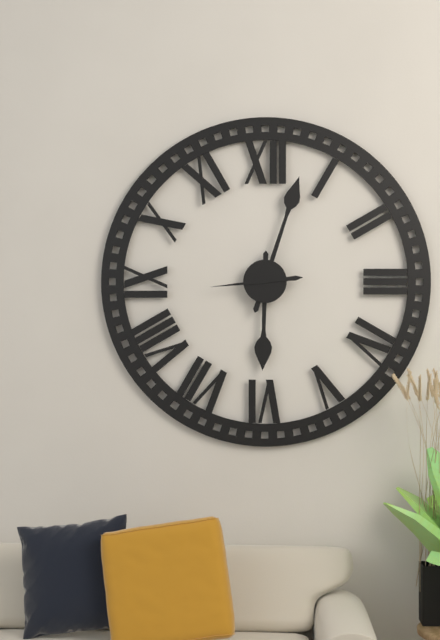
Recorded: h=6 m=3 s=44
